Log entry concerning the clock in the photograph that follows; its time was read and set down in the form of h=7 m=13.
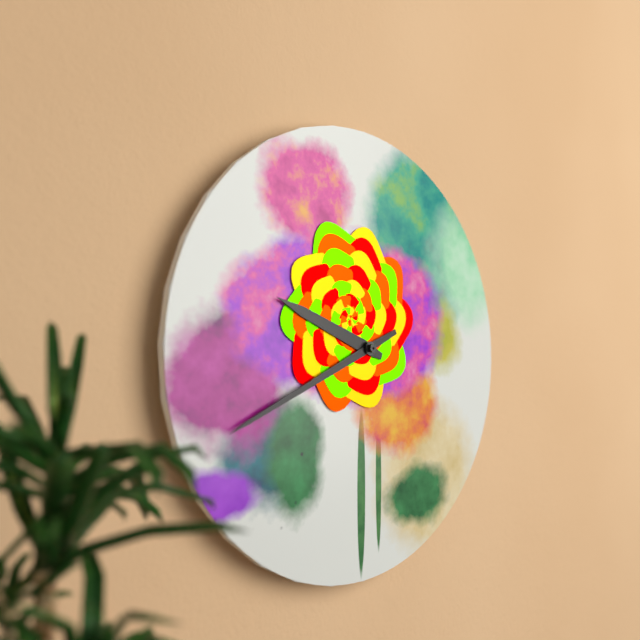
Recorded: h=9 m=41
